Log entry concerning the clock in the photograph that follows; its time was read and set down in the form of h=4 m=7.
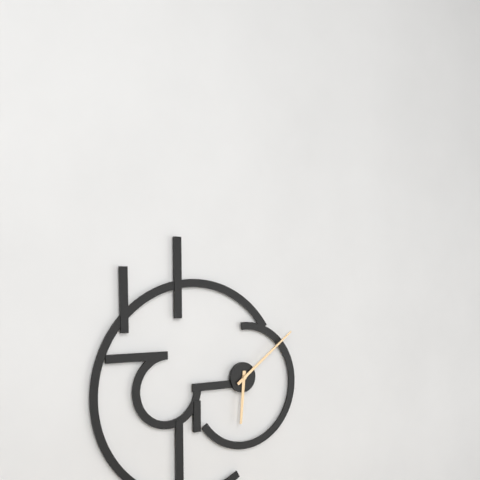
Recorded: h=6 m=9
